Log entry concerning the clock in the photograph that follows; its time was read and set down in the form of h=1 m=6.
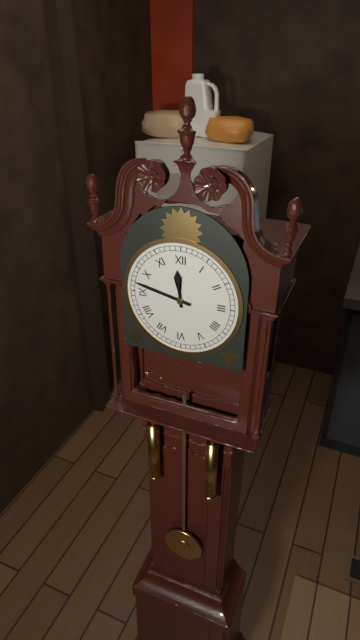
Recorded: h=11 m=47
